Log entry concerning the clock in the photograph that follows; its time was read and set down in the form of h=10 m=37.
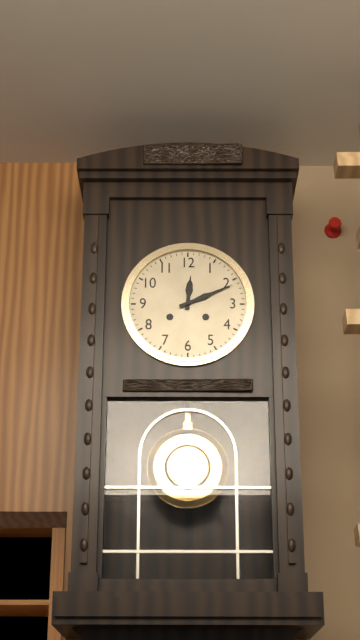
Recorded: h=12 m=11
